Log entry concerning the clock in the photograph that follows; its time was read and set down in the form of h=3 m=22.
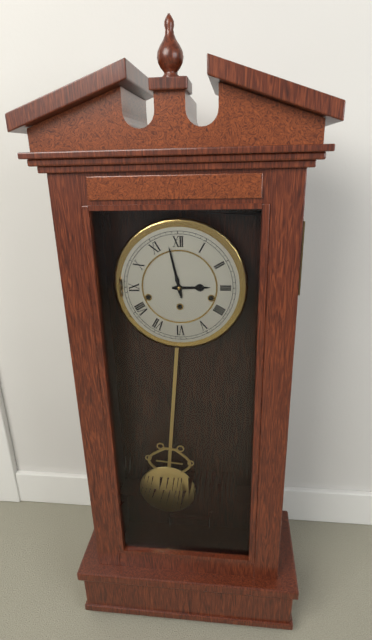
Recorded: h=2 m=58
